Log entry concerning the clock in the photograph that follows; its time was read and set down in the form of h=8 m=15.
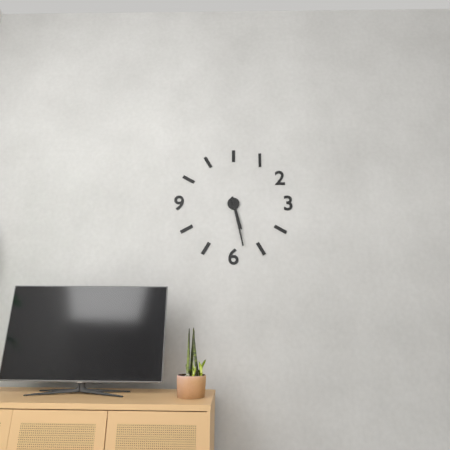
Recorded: h=5 m=28
